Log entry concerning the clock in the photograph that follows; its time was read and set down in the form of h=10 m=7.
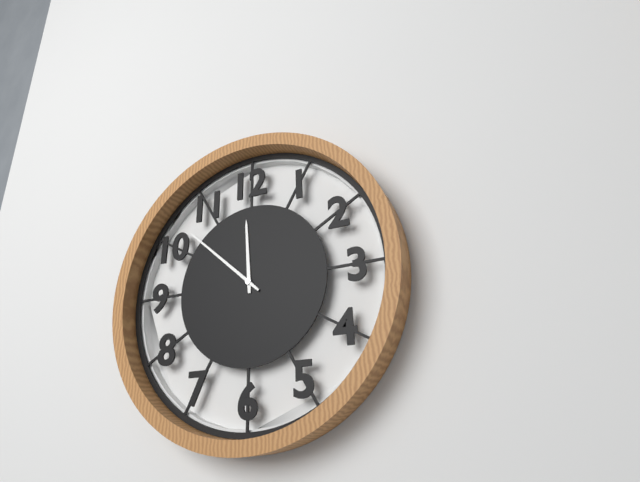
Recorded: h=11 m=52
